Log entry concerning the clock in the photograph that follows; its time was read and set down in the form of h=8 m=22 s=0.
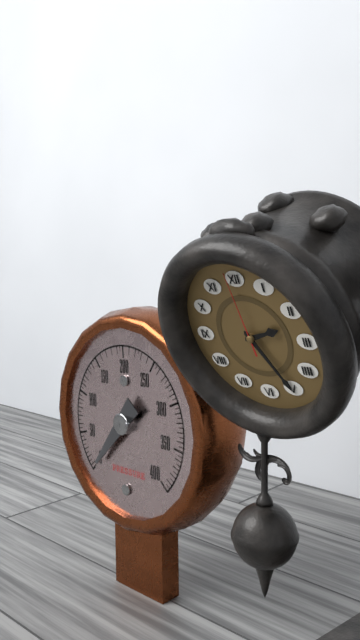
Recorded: h=2 m=25 s=59
